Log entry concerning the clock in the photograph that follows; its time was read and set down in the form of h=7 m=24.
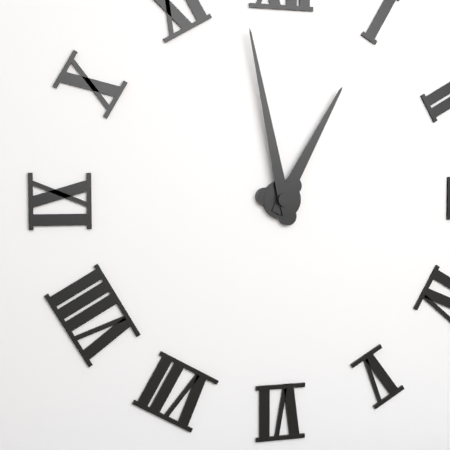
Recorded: h=12 m=58
